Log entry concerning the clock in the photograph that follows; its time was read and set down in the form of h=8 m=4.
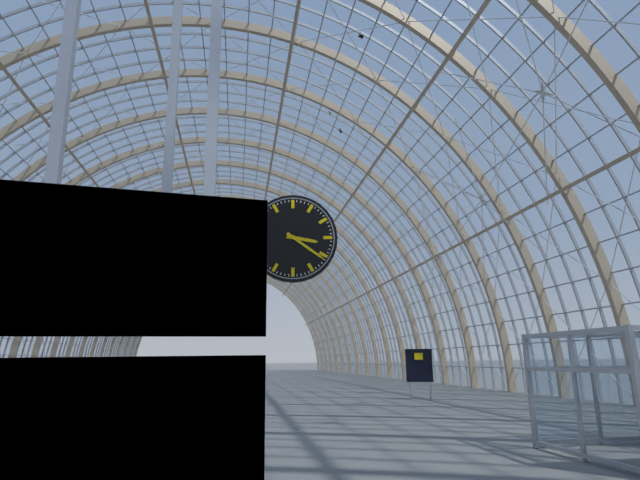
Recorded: h=3 m=21
